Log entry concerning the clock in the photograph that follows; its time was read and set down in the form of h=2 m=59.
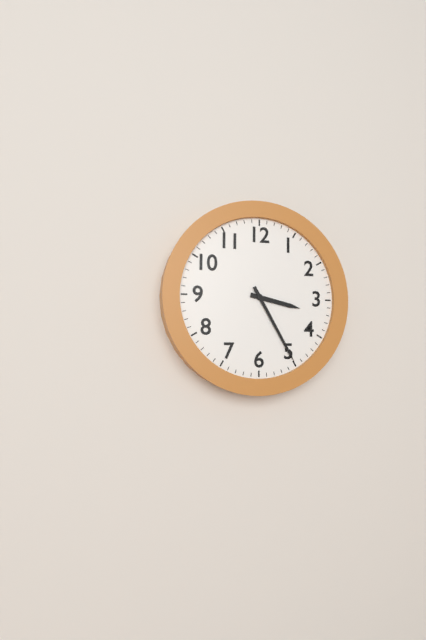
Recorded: h=3 m=25
